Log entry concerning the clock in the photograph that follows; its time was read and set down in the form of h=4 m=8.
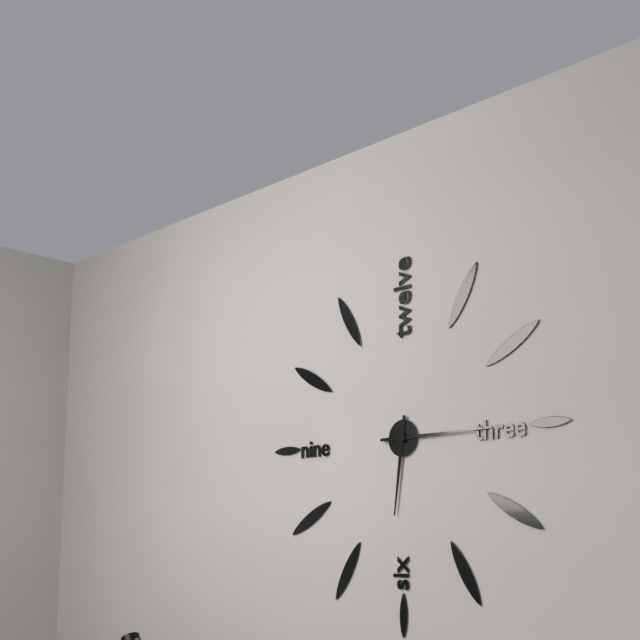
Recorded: h=6 m=15
